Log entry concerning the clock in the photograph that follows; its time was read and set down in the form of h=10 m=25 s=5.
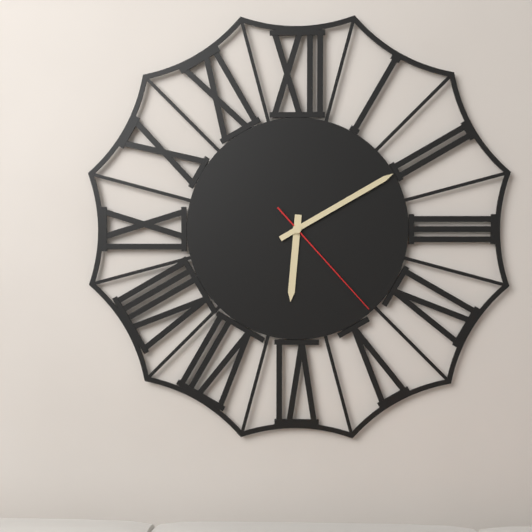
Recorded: h=6 m=10 s=23
